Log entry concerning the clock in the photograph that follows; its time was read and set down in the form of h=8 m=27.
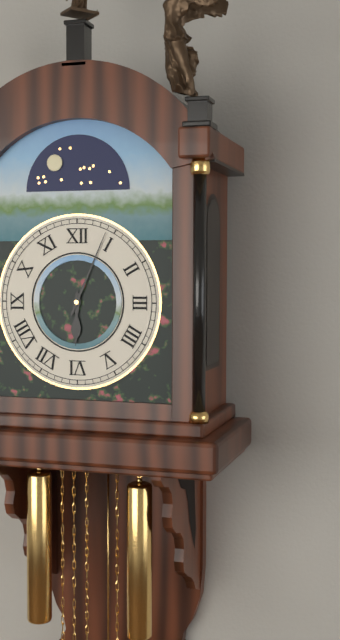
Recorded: h=6 m=4
